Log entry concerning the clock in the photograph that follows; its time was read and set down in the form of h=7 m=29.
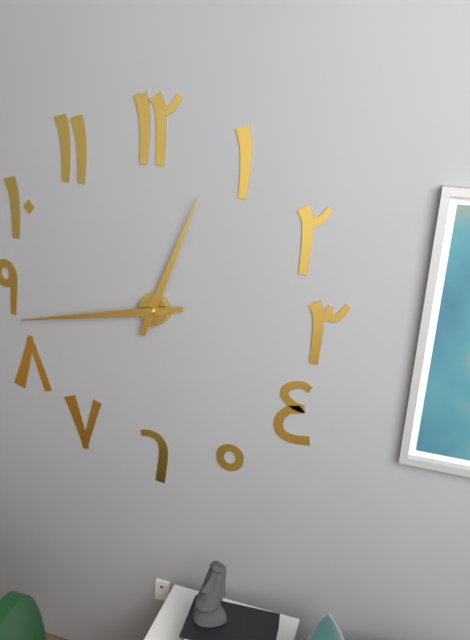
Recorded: h=12 m=43
